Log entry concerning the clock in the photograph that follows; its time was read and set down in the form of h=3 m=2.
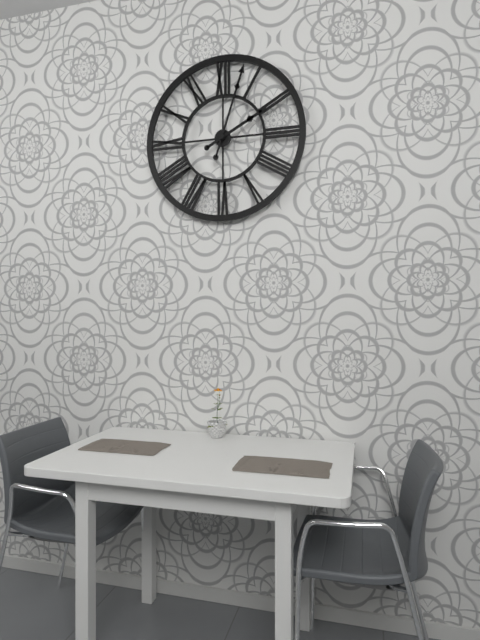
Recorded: h=2 m=3
